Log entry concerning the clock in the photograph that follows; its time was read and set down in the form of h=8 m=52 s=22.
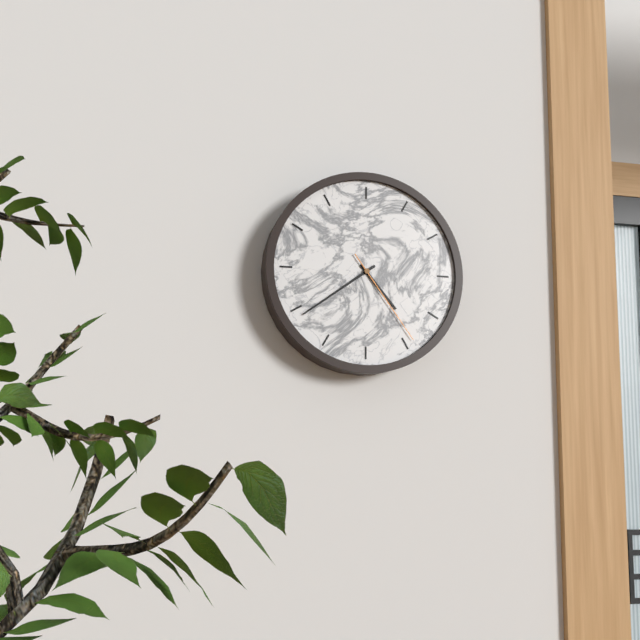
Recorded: h=4 m=39 s=24
